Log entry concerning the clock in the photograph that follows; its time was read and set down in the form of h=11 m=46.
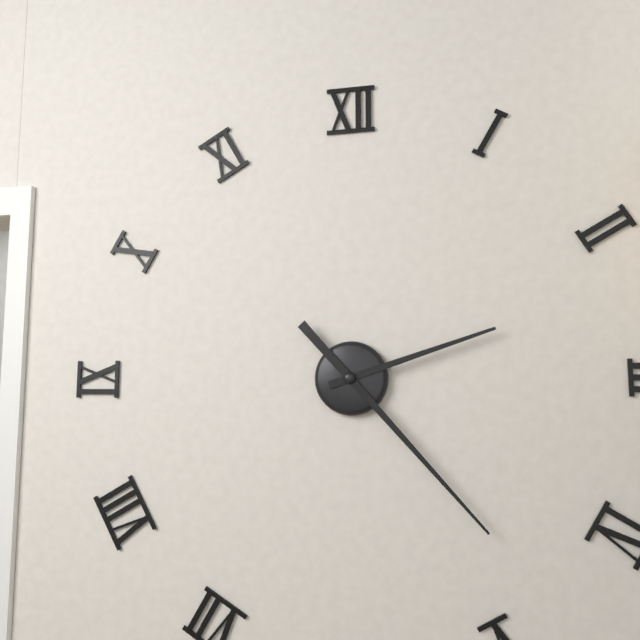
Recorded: h=2 m=23
